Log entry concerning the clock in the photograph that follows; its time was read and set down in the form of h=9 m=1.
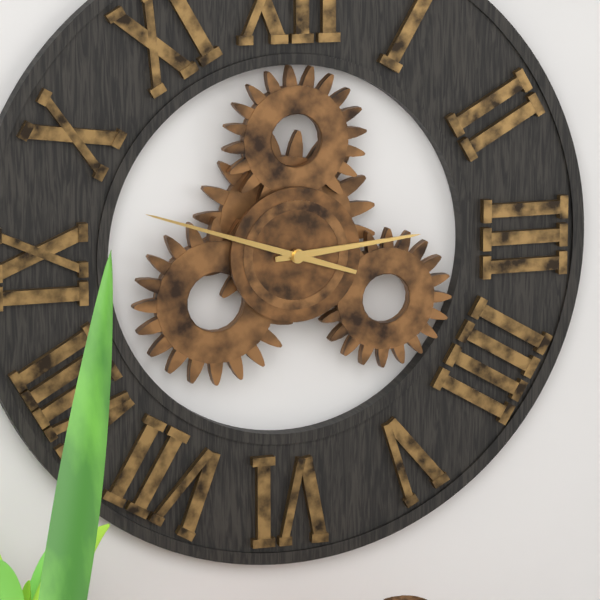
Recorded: h=2 m=48
